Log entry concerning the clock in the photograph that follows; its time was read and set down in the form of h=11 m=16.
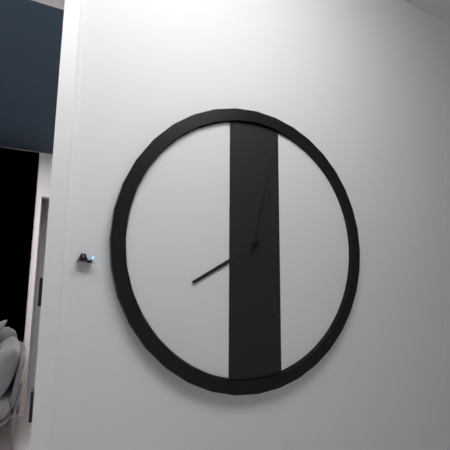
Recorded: h=8 m=2
